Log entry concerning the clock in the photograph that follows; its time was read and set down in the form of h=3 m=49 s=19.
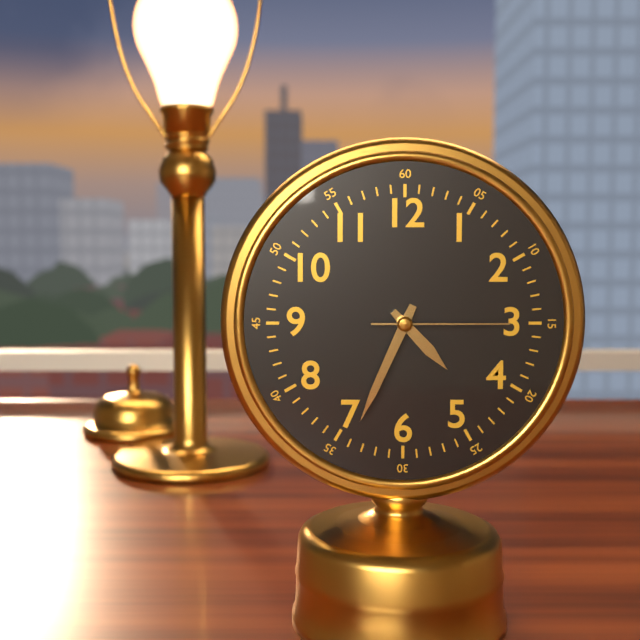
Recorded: h=4 m=34 s=15
